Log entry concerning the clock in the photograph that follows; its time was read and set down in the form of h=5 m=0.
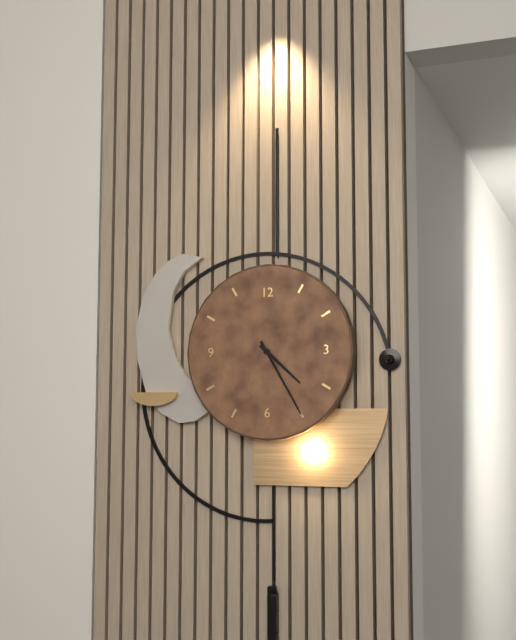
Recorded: h=4 m=25
